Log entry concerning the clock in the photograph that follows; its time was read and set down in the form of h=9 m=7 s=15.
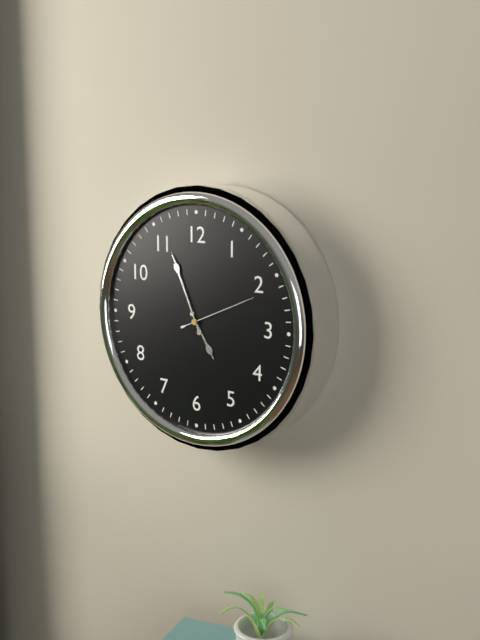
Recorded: h=4 m=56 s=11
